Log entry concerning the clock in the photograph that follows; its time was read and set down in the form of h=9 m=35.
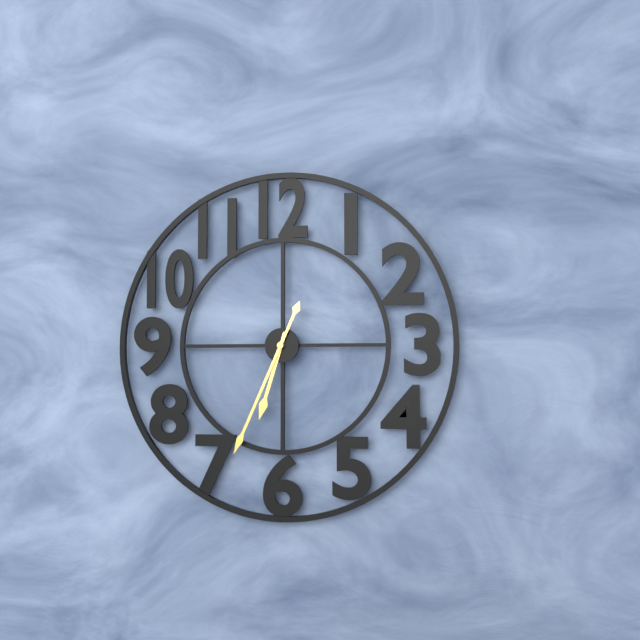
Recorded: h=6 m=34
